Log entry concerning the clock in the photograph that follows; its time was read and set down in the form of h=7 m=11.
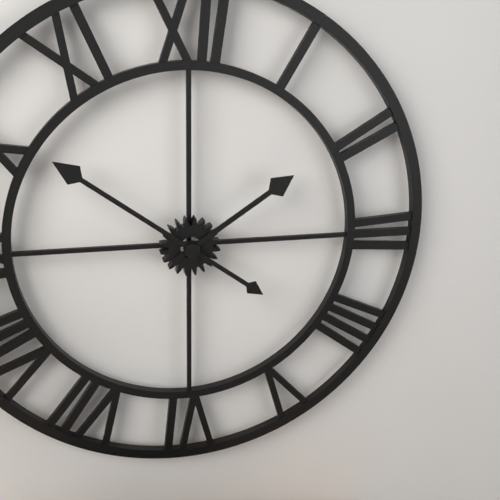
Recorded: h=1 m=51
